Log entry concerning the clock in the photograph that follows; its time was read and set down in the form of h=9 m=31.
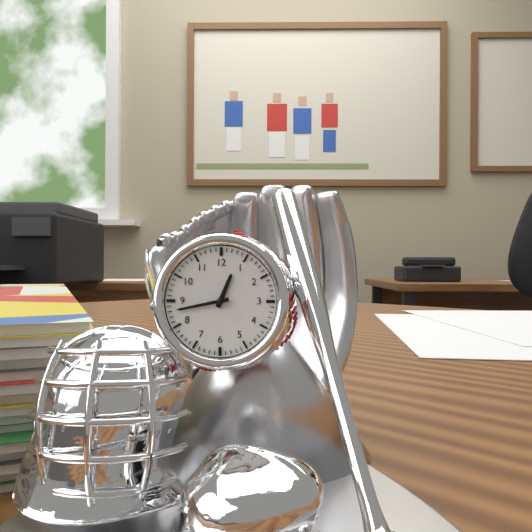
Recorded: h=12 m=43
